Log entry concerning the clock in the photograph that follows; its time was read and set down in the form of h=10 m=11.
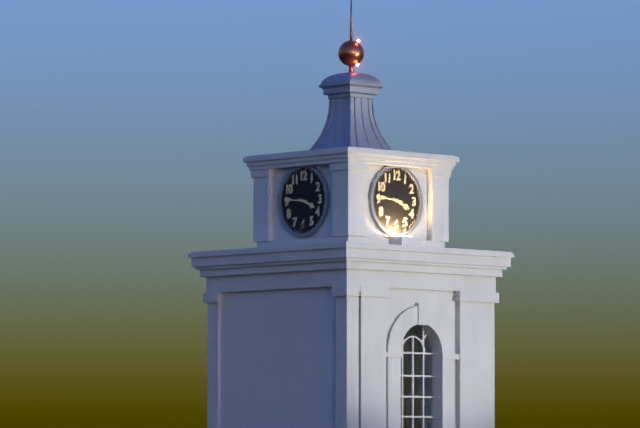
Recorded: h=3 m=46
